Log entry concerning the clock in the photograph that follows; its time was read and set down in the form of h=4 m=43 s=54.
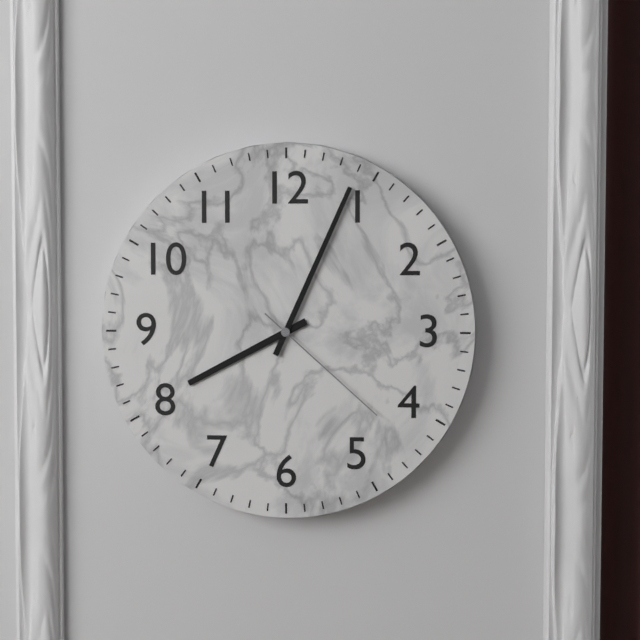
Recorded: h=8 m=4 s=22
